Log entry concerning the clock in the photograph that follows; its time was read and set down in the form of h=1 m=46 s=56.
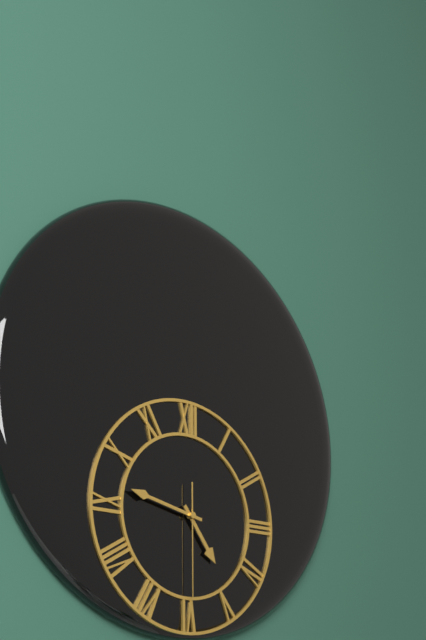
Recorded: h=4 m=47 s=30
